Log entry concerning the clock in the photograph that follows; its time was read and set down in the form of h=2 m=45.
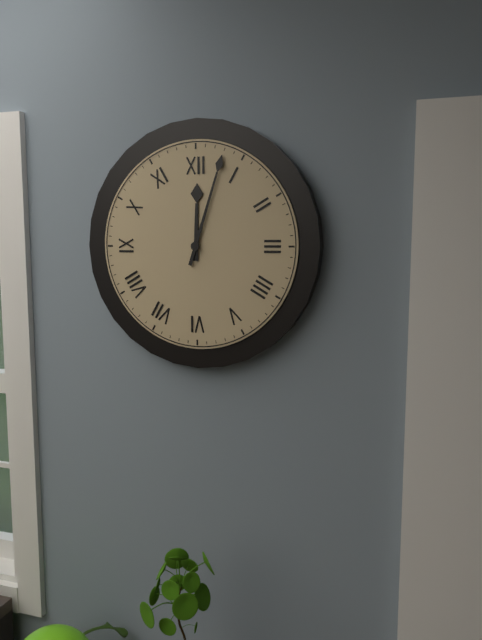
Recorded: h=12 m=3
